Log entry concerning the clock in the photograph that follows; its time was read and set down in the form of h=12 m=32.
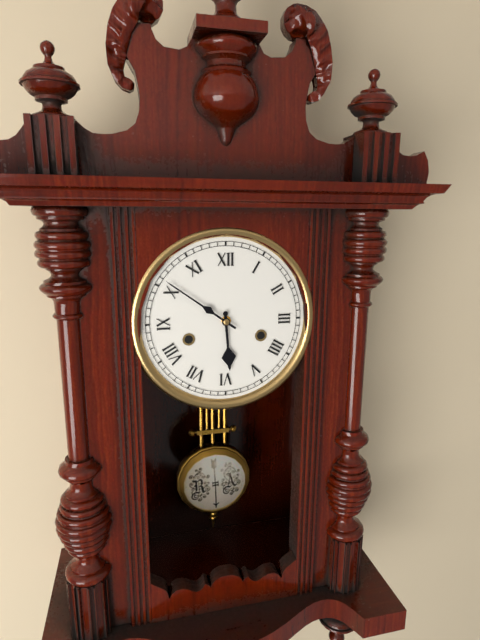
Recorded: h=5 m=51
